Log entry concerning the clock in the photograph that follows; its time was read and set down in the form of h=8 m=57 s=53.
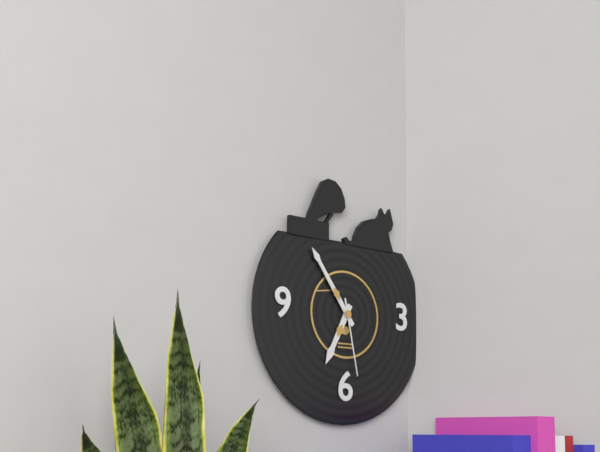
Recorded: h=6 m=54 s=28
